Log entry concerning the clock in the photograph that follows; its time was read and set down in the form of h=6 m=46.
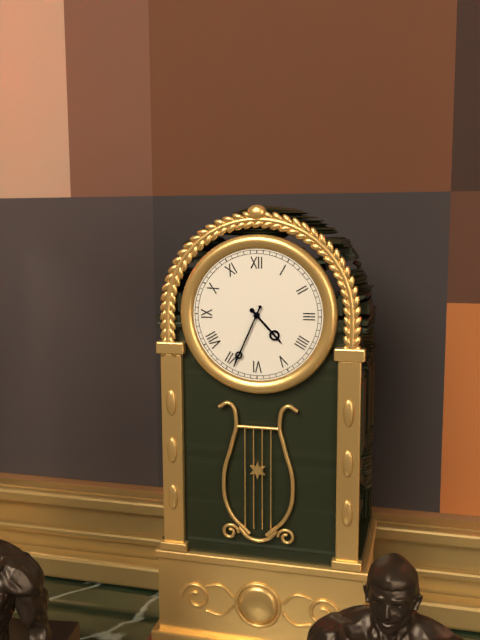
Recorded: h=4 m=34
